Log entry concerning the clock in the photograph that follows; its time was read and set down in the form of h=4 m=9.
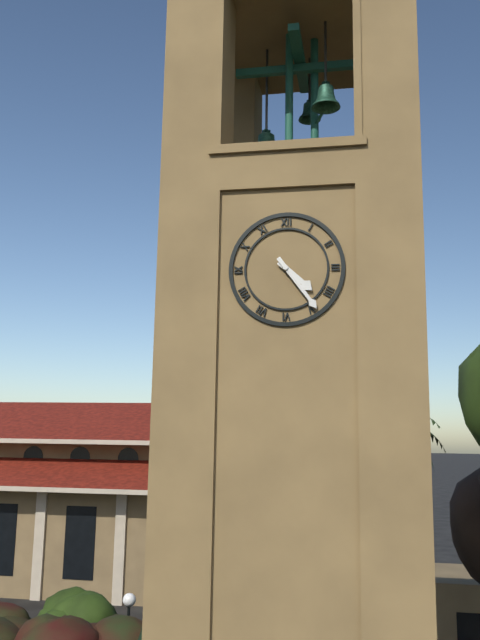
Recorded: h=4 m=24
